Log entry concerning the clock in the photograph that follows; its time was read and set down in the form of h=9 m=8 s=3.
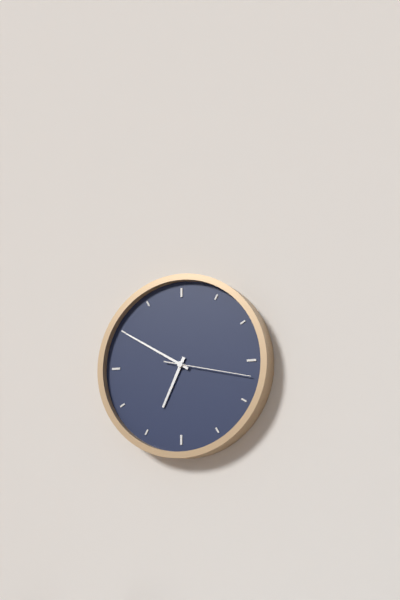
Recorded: h=6 m=50 s=17
